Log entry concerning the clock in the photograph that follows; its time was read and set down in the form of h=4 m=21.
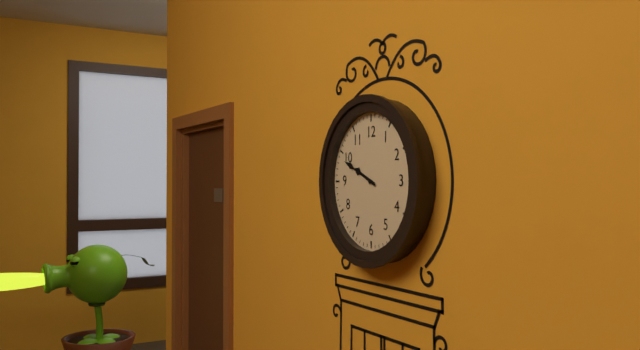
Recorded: h=9 m=49
